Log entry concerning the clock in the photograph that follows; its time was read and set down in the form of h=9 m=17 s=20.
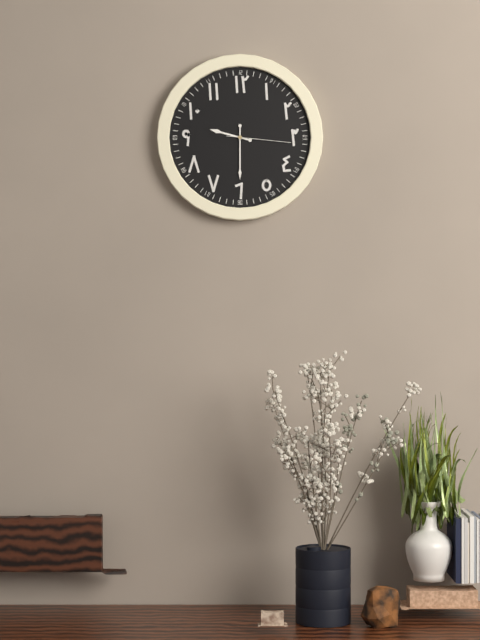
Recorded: h=9 m=30 s=16
